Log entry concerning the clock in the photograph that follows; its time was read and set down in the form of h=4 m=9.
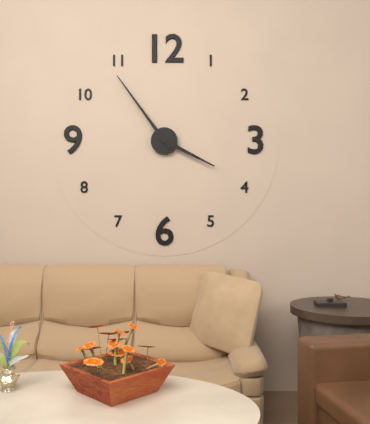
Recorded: h=3 m=54
